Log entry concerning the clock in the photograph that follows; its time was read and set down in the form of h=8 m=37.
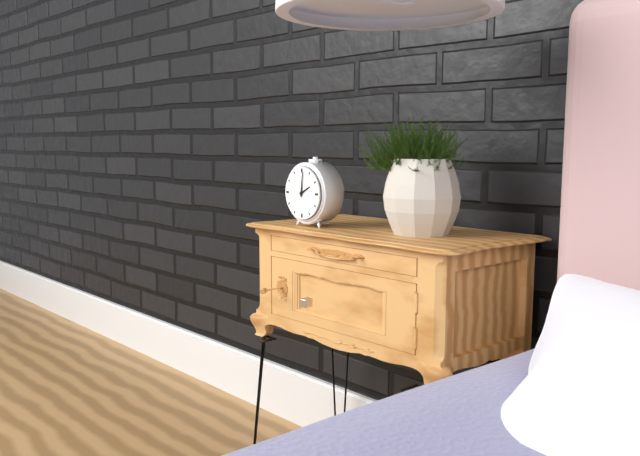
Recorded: h=2 m=1
